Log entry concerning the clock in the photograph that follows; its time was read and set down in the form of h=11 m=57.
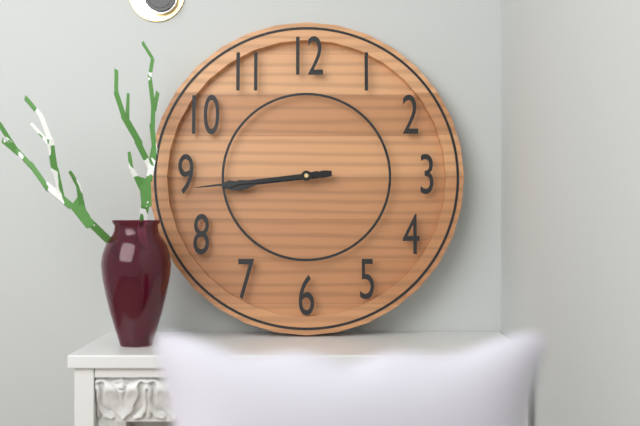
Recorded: h=8 m=44
